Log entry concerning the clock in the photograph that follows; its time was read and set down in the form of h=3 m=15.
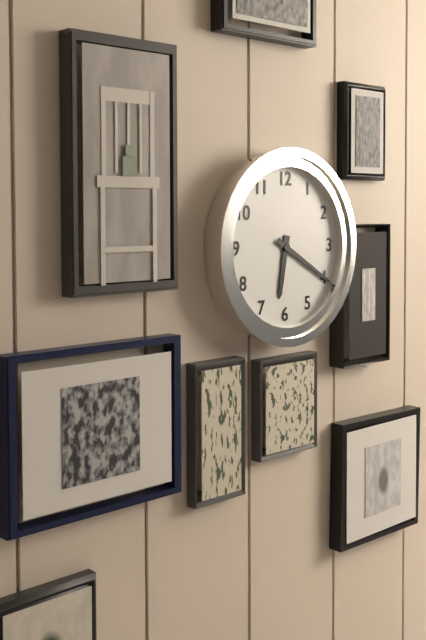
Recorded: h=6 m=20
